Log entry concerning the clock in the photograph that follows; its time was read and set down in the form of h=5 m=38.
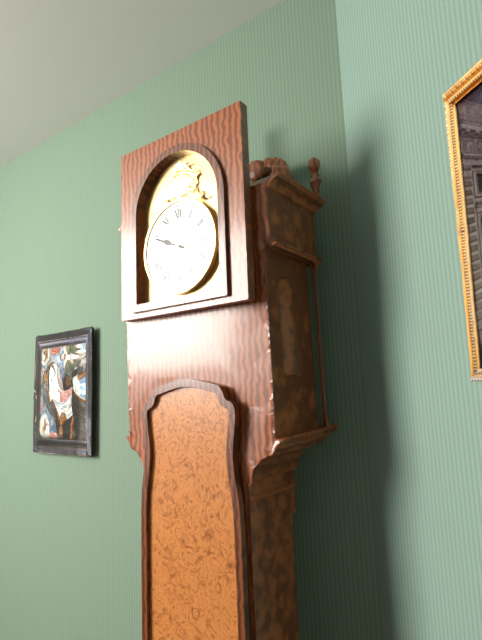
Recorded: h=9 m=49
